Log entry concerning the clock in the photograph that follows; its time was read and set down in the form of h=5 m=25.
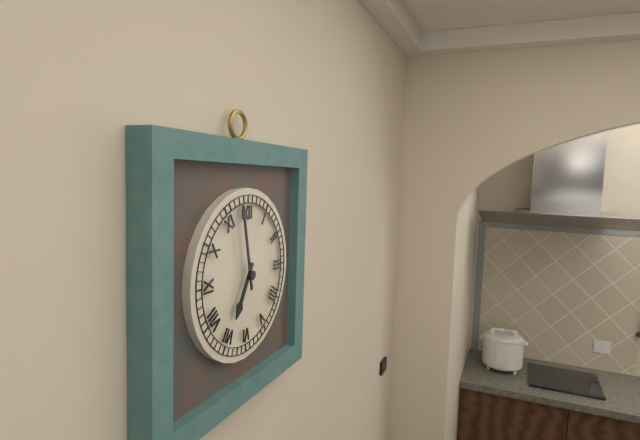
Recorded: h=6 m=58
